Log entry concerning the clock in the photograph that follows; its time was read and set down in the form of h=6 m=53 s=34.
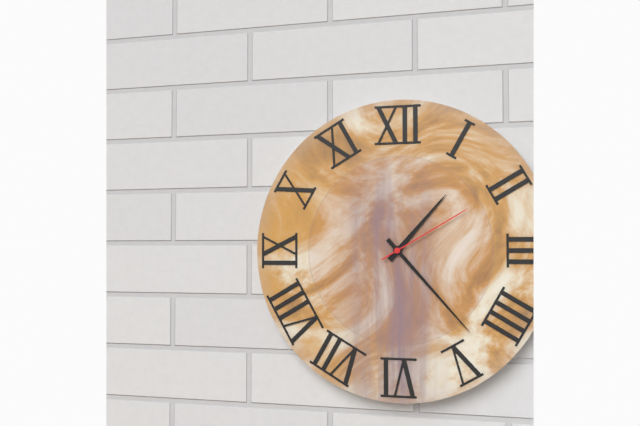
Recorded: h=1 m=23 s=10
